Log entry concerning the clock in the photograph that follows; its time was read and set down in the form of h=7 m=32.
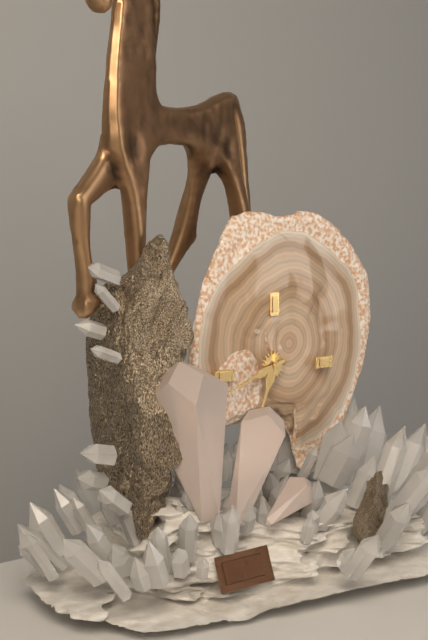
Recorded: h=6 m=42
